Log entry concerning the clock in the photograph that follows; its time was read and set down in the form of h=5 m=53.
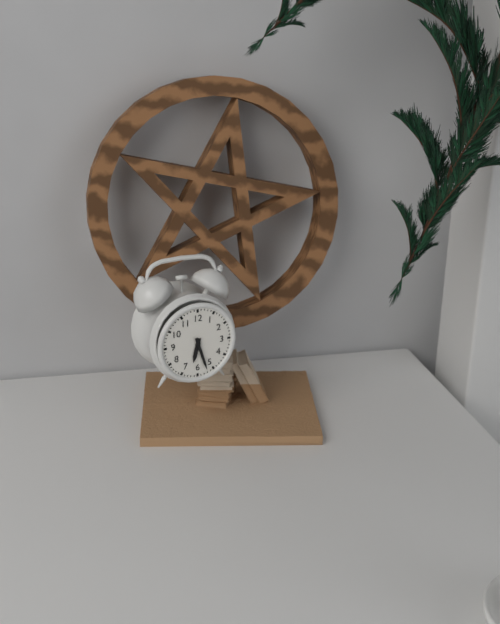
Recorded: h=6 m=27
